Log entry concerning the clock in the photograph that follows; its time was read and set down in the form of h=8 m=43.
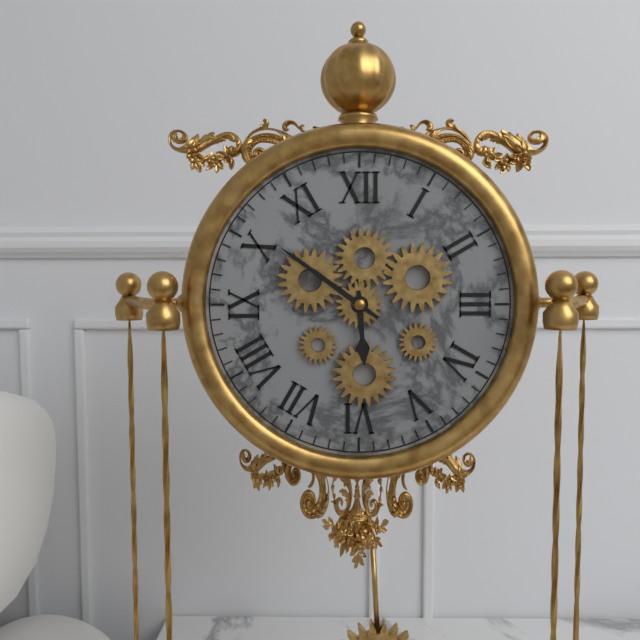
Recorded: h=5 m=51
